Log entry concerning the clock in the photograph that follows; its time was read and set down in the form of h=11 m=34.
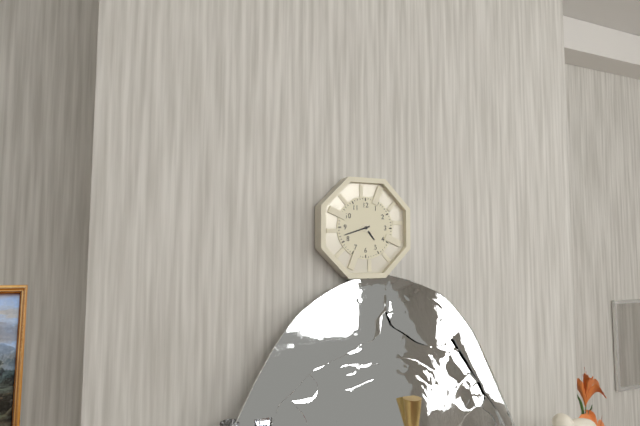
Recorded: h=4 m=42
